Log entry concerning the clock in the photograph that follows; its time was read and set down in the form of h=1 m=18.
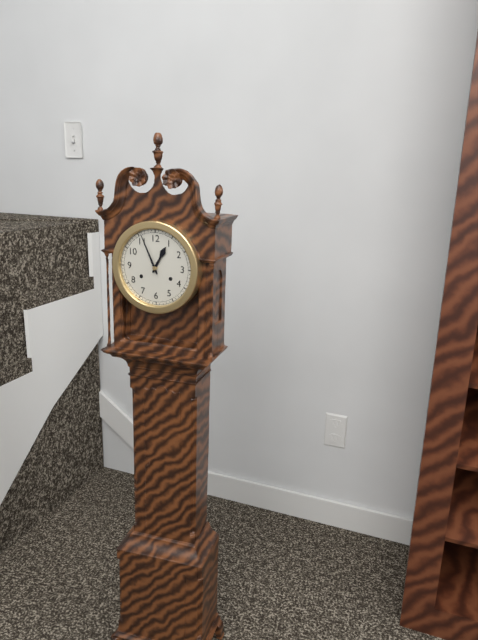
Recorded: h=12 m=56
